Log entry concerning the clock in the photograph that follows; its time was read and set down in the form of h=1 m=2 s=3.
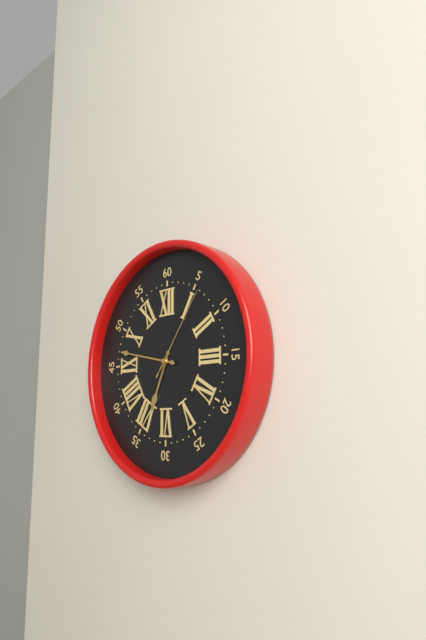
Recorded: h=6 m=47 s=6
